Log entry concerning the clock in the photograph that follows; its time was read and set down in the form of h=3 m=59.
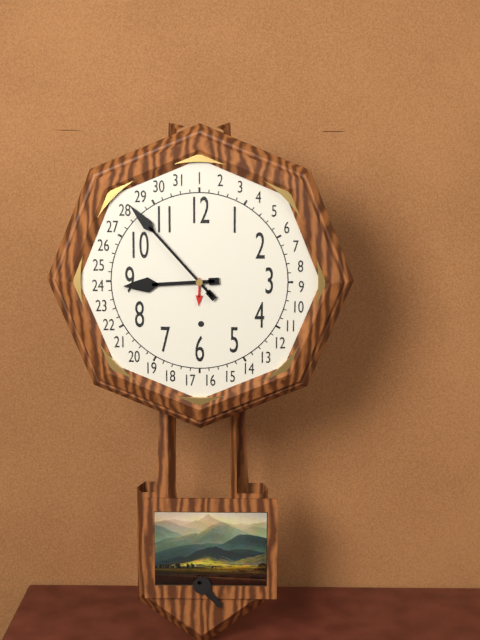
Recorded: h=8 m=53
